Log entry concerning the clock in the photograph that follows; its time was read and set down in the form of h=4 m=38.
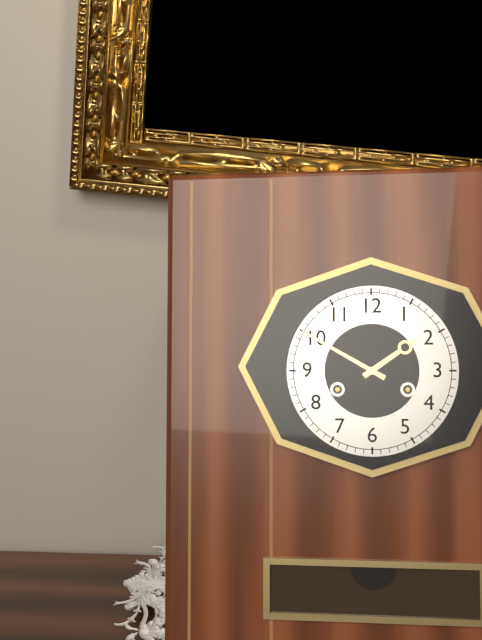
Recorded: h=1 m=50
